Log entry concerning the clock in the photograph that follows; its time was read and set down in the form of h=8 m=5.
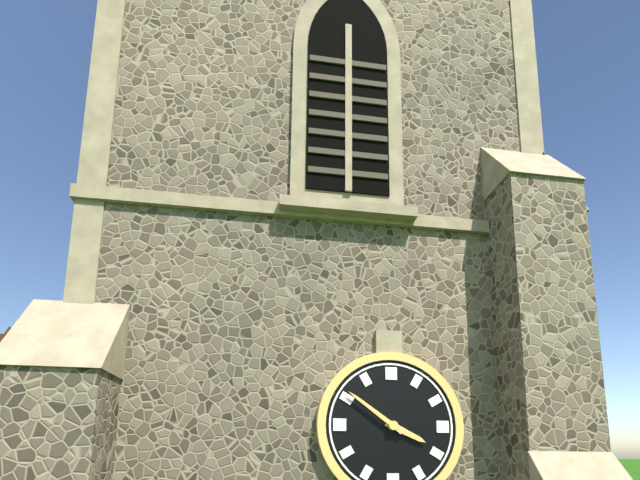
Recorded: h=3 m=51
